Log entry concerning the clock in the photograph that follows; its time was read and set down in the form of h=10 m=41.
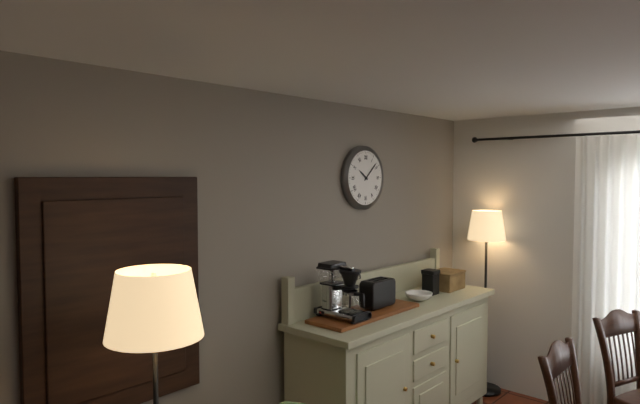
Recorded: h=10 m=8
